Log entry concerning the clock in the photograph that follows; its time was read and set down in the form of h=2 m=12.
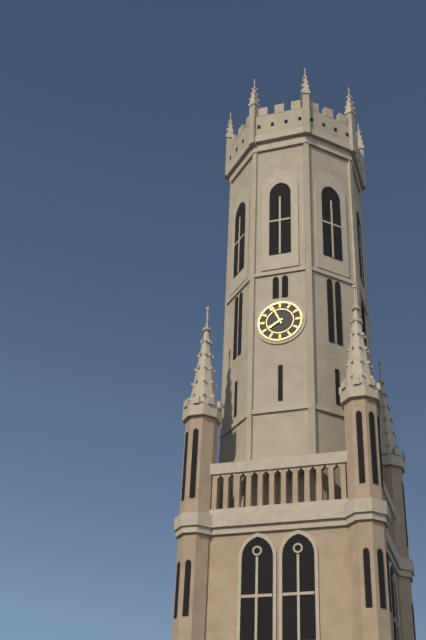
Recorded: h=7 m=56
